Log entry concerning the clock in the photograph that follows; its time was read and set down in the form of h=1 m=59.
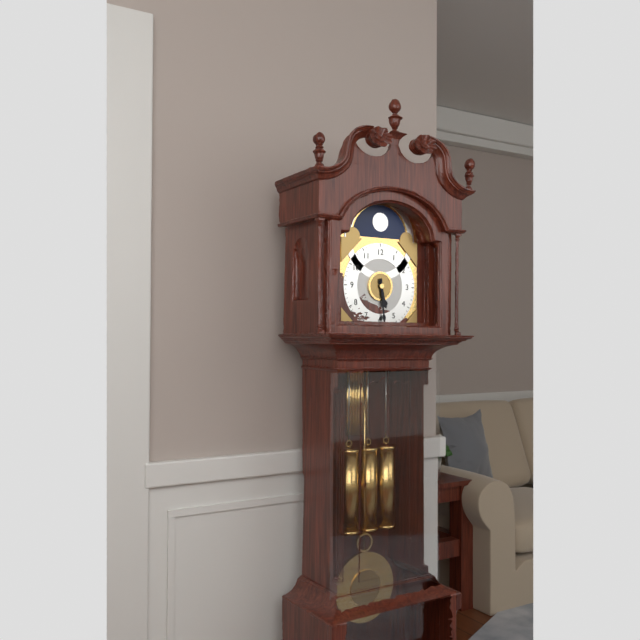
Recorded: h=5 m=29
